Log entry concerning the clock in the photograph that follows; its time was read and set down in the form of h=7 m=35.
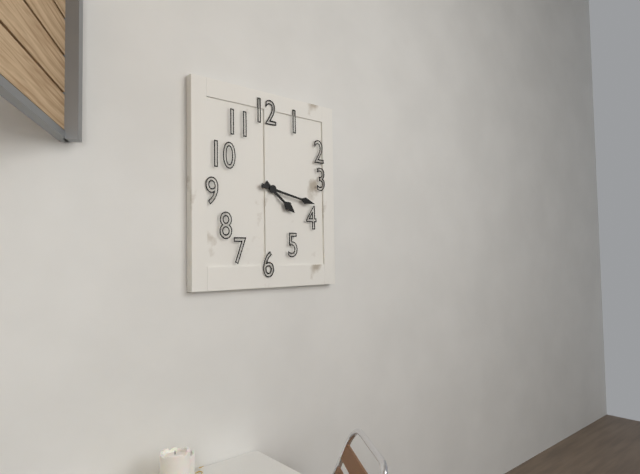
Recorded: h=4 m=17
